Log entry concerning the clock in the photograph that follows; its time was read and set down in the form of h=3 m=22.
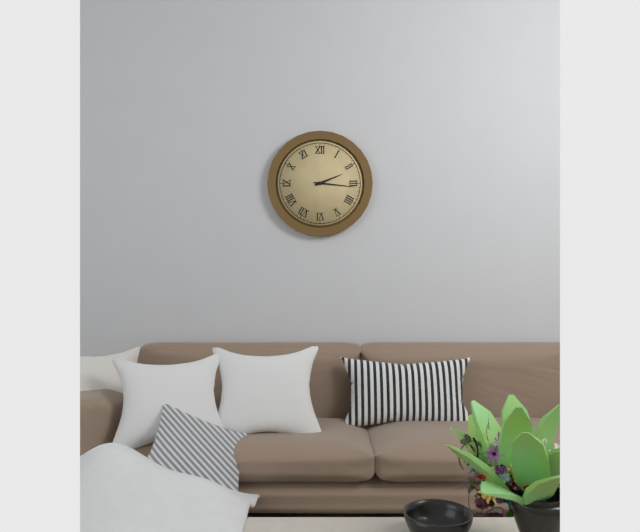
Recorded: h=2 m=16
